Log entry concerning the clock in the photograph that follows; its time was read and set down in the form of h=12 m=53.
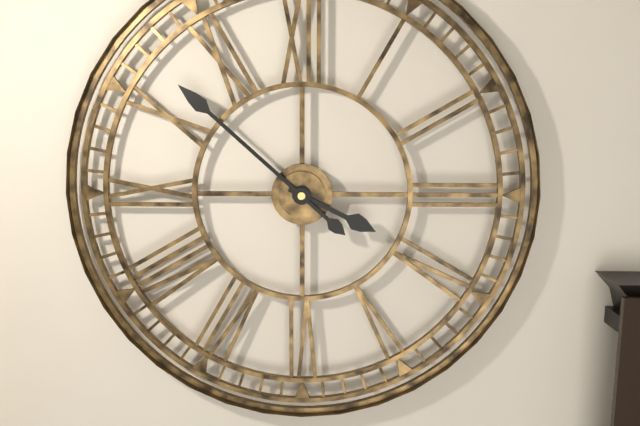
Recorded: h=3 m=52
